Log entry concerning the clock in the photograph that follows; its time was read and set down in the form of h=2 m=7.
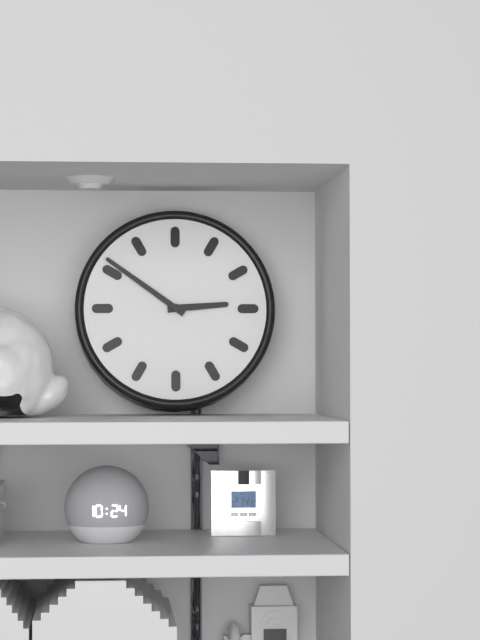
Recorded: h=2 m=51
